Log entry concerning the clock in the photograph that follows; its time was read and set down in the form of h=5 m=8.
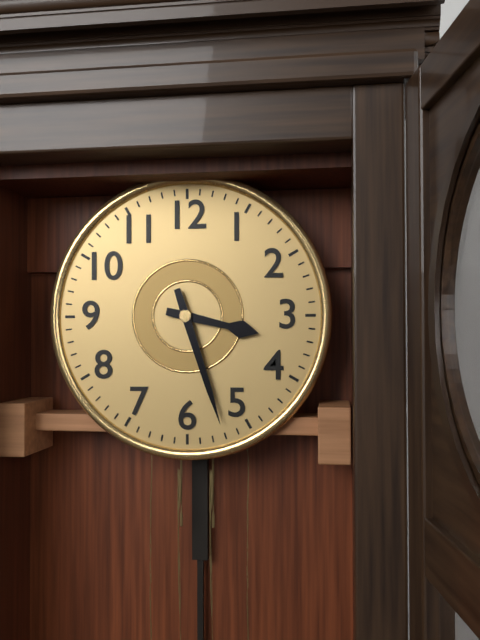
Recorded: h=3 m=27
